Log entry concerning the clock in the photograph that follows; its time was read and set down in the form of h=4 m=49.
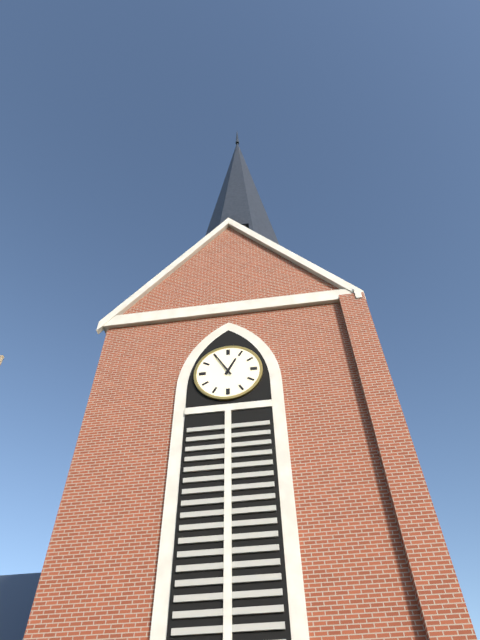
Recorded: h=12 m=55
